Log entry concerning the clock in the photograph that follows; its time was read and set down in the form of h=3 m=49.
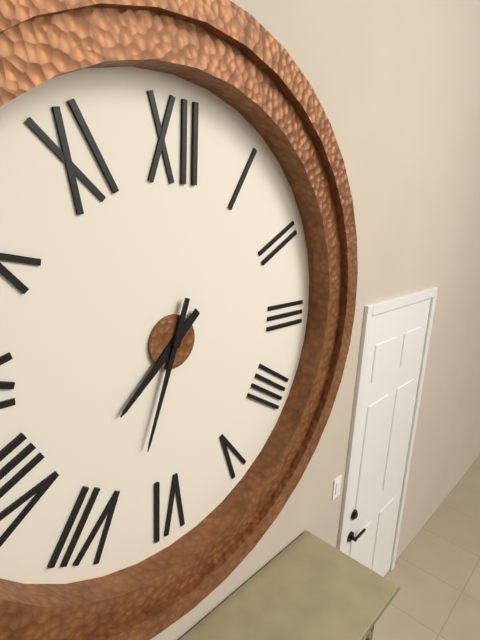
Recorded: h=7 m=33
